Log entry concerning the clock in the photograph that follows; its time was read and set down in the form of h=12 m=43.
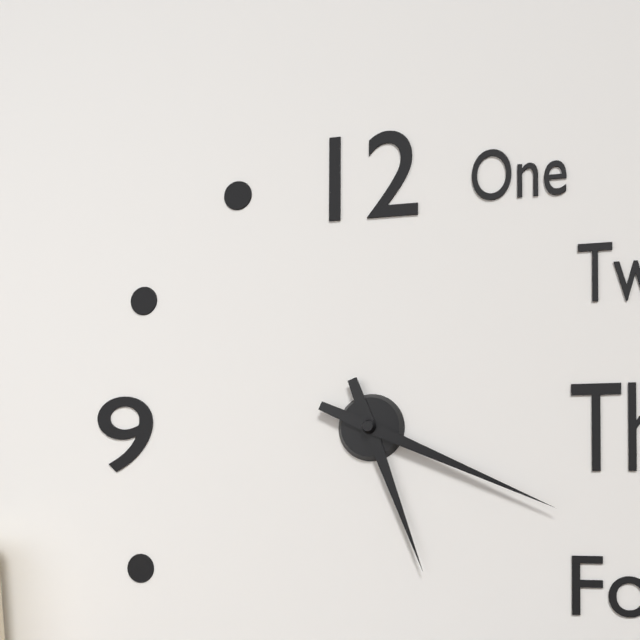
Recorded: h=5 m=19
